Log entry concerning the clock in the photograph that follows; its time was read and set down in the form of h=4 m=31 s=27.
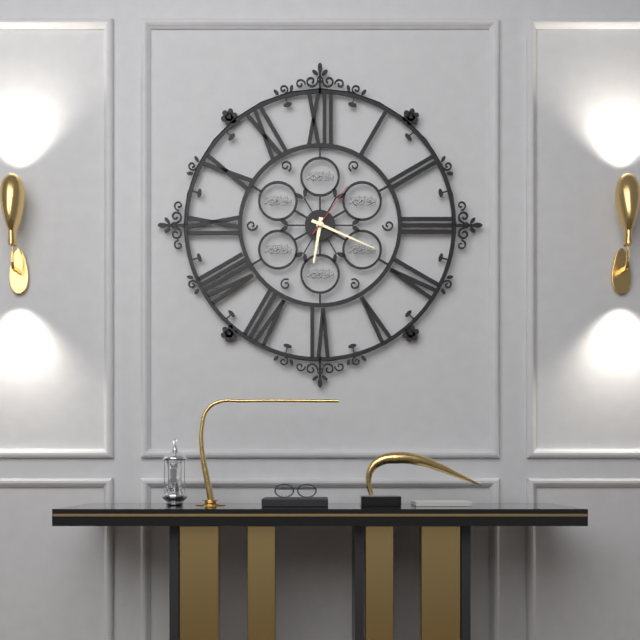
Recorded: h=6 m=19 s=6
